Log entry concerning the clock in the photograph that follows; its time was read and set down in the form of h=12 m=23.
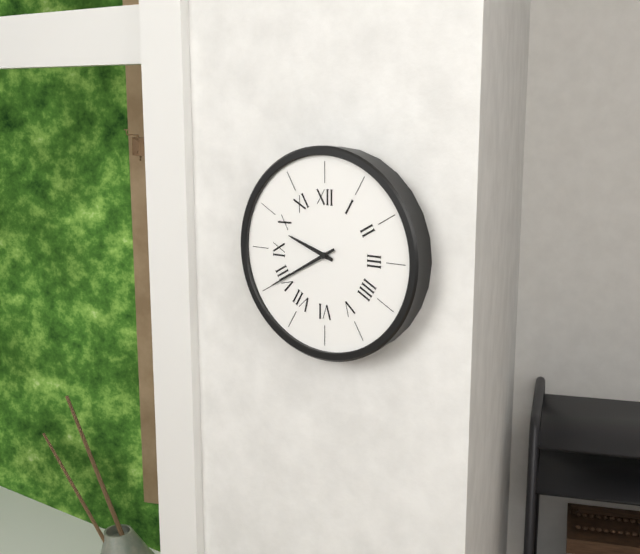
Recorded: h=9 m=40
